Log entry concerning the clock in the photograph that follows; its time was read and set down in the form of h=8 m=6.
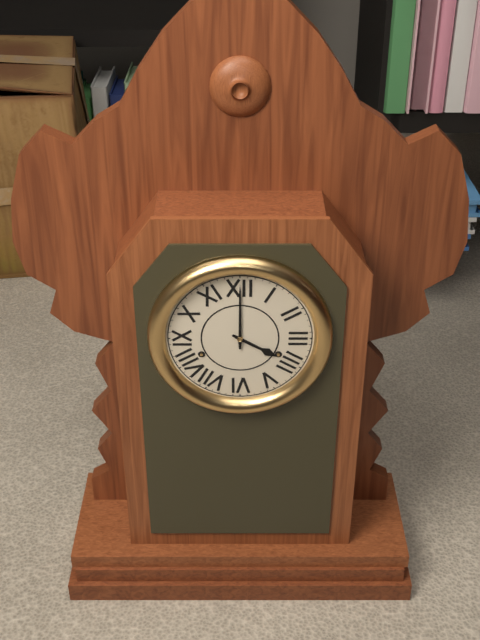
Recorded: h=4 m=0
